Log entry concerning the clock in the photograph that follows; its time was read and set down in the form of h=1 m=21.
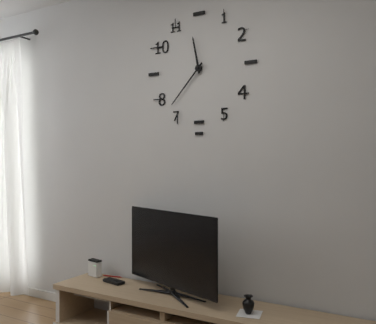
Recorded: h=11 m=37
